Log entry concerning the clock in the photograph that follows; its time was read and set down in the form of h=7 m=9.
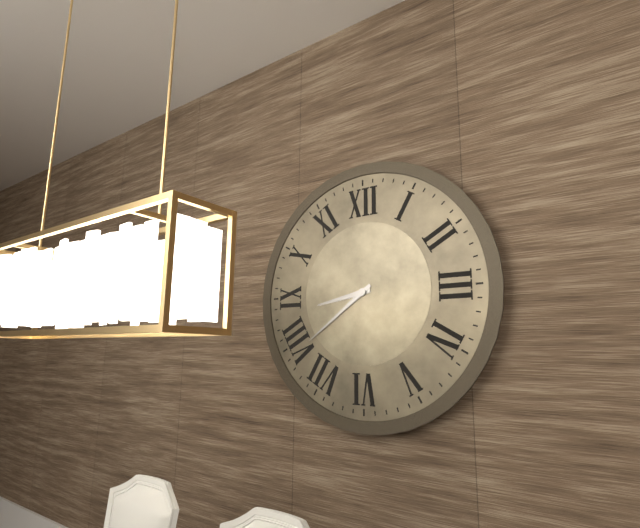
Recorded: h=8 m=39
